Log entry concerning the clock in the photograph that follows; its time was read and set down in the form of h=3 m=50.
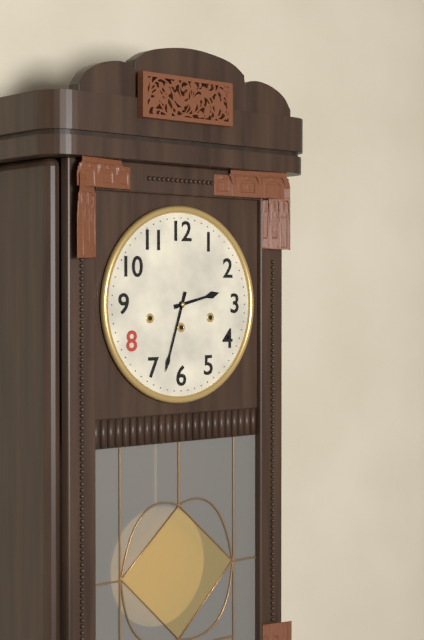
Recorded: h=2 m=33
